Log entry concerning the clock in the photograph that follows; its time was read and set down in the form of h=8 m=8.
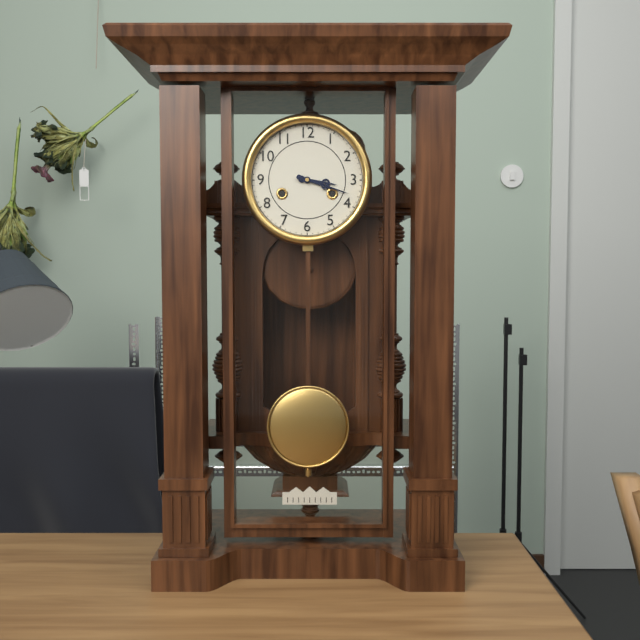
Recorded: h=3 m=18
